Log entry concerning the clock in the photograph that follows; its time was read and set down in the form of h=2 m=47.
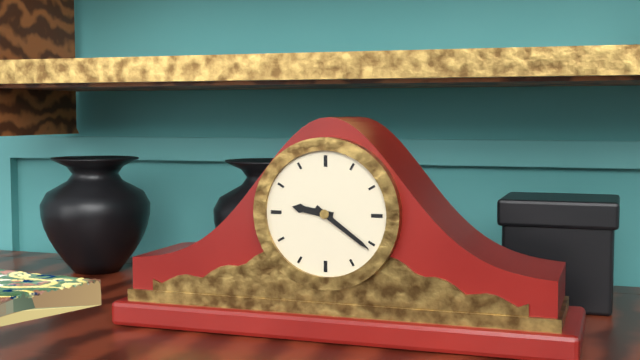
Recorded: h=9 m=21
